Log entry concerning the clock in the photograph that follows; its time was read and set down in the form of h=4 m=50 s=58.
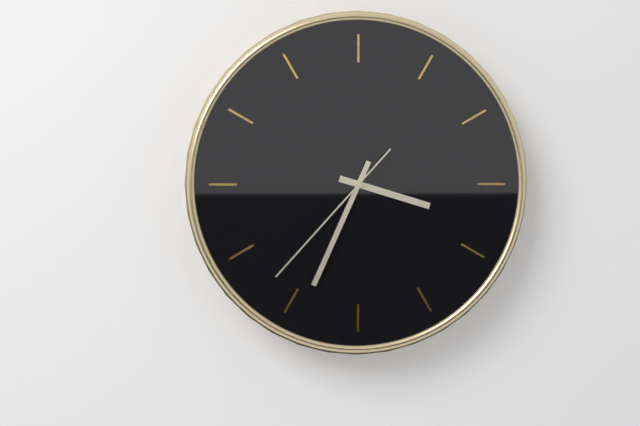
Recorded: h=3 m=34 s=37
